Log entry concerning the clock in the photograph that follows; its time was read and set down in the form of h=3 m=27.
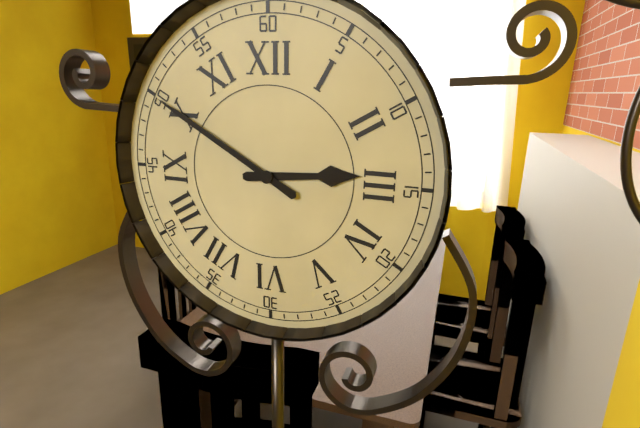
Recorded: h=2 m=50
